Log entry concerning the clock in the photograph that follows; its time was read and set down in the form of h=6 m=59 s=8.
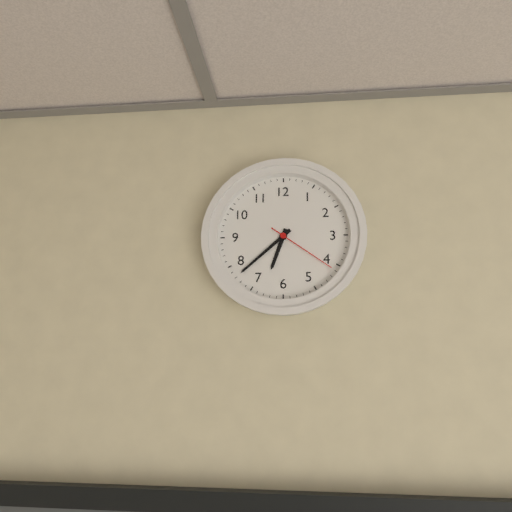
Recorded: h=6 m=38 s=21
